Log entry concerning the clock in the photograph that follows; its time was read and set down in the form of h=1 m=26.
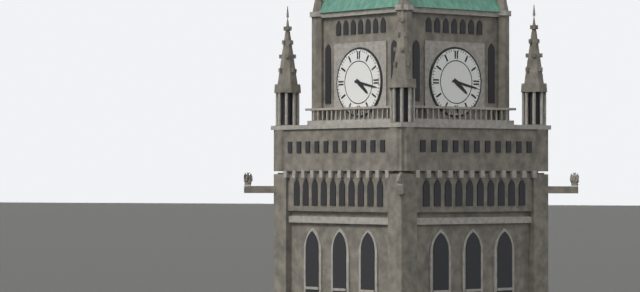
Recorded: h=4 m=17
